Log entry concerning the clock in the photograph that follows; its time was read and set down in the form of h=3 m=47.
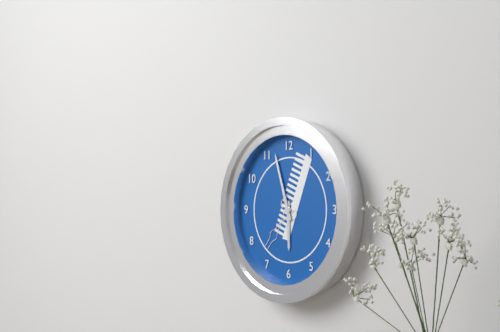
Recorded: h=5 m=57
